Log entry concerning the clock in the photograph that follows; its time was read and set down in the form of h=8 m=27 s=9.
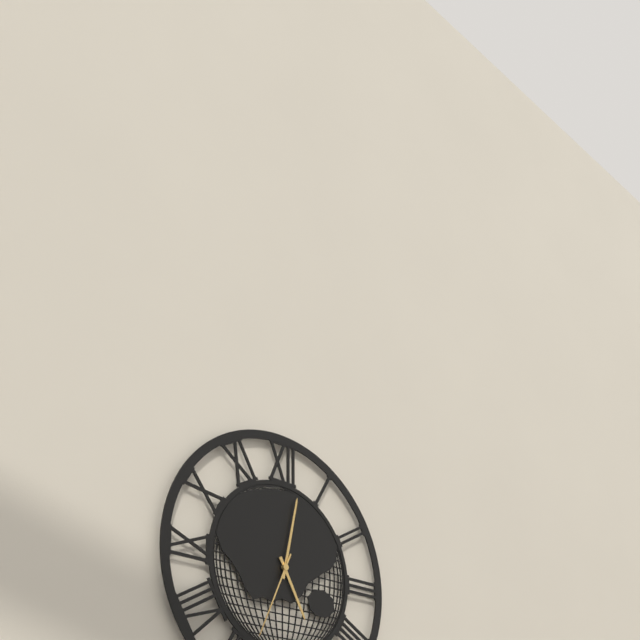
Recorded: h=5 m=2 s=34
